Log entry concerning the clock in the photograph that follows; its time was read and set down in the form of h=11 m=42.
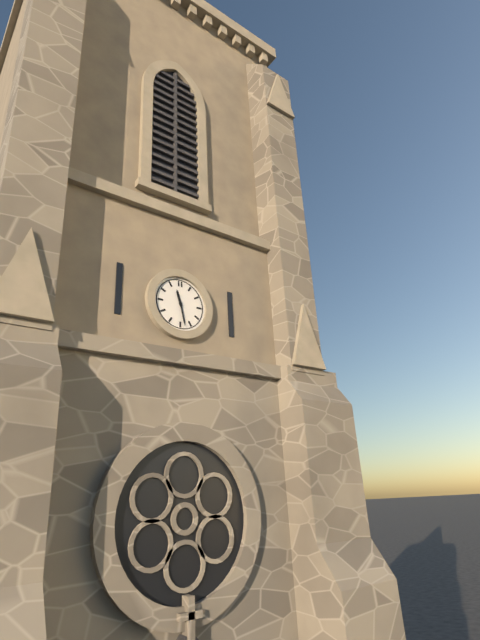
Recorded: h=11 m=28
